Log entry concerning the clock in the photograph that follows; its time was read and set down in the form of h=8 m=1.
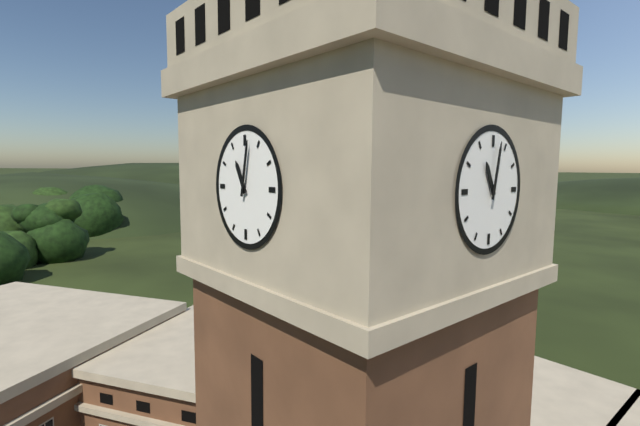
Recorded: h=11 m=2
